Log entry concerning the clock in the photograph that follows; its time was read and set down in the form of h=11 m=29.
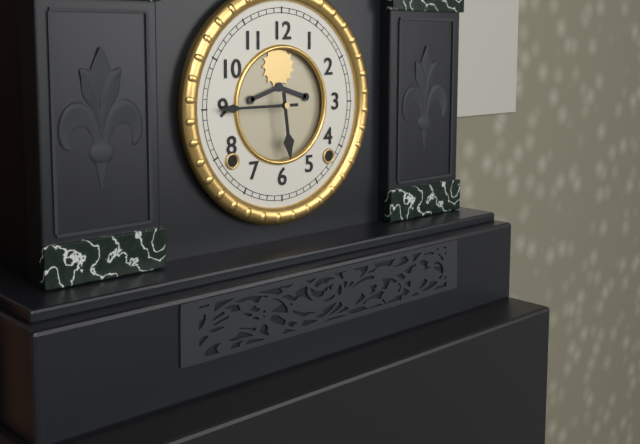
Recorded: h=5 m=45
